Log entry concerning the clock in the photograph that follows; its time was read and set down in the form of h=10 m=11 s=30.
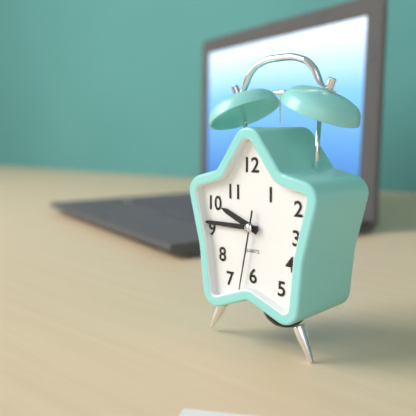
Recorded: h=9 m=45 s=32
